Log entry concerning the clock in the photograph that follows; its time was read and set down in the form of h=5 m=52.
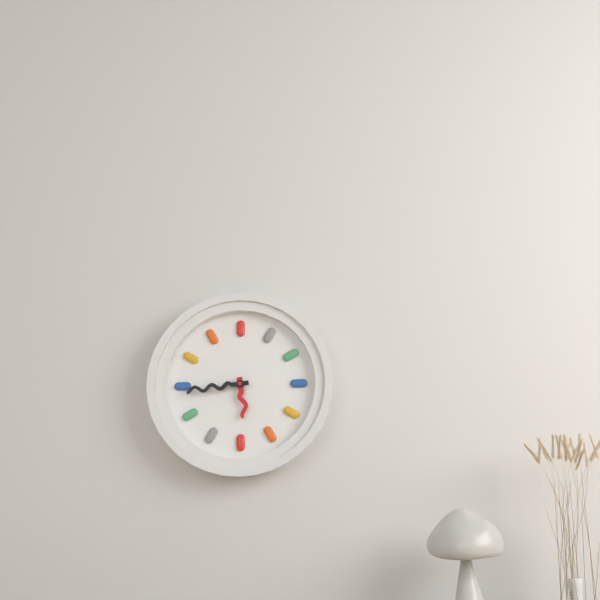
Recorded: h=5 m=44
